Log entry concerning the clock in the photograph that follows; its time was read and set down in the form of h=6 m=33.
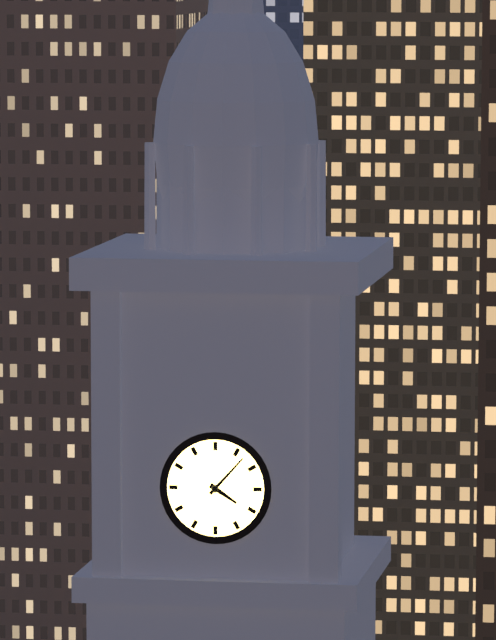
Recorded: h=4 m=7
